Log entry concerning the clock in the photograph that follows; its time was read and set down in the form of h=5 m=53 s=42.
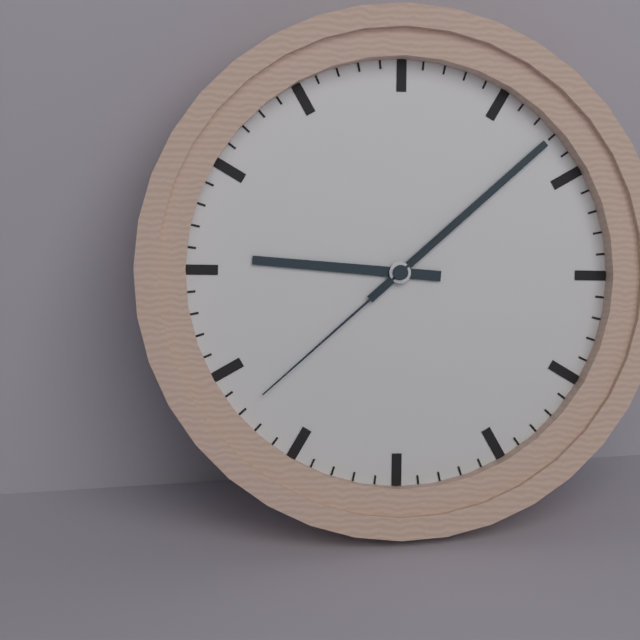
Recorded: h=9 m=8 s=38
